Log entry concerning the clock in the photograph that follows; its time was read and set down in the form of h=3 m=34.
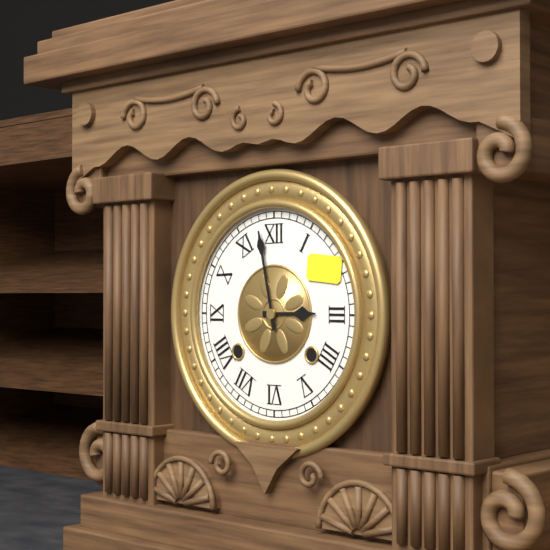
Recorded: h=2 m=58
